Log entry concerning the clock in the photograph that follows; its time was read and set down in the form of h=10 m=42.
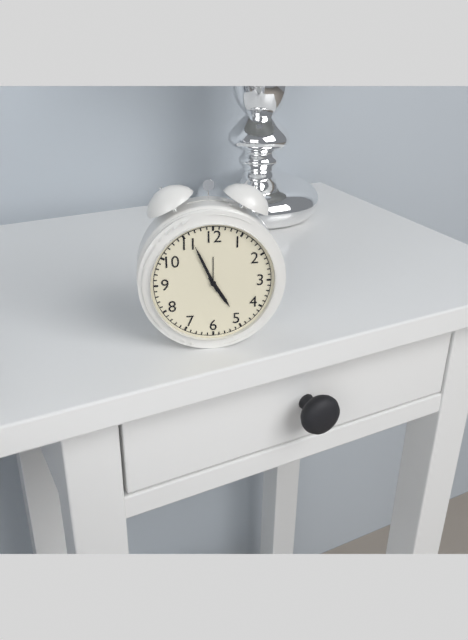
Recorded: h=4 m=56
